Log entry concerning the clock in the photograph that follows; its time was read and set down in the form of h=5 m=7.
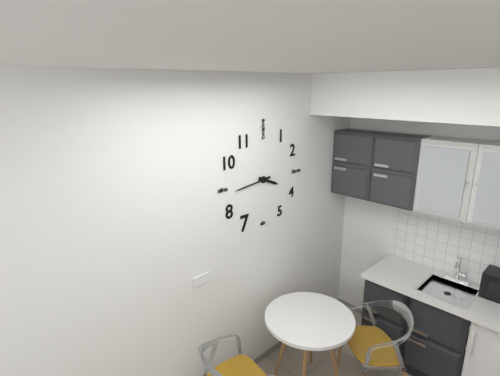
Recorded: h=3 m=44
